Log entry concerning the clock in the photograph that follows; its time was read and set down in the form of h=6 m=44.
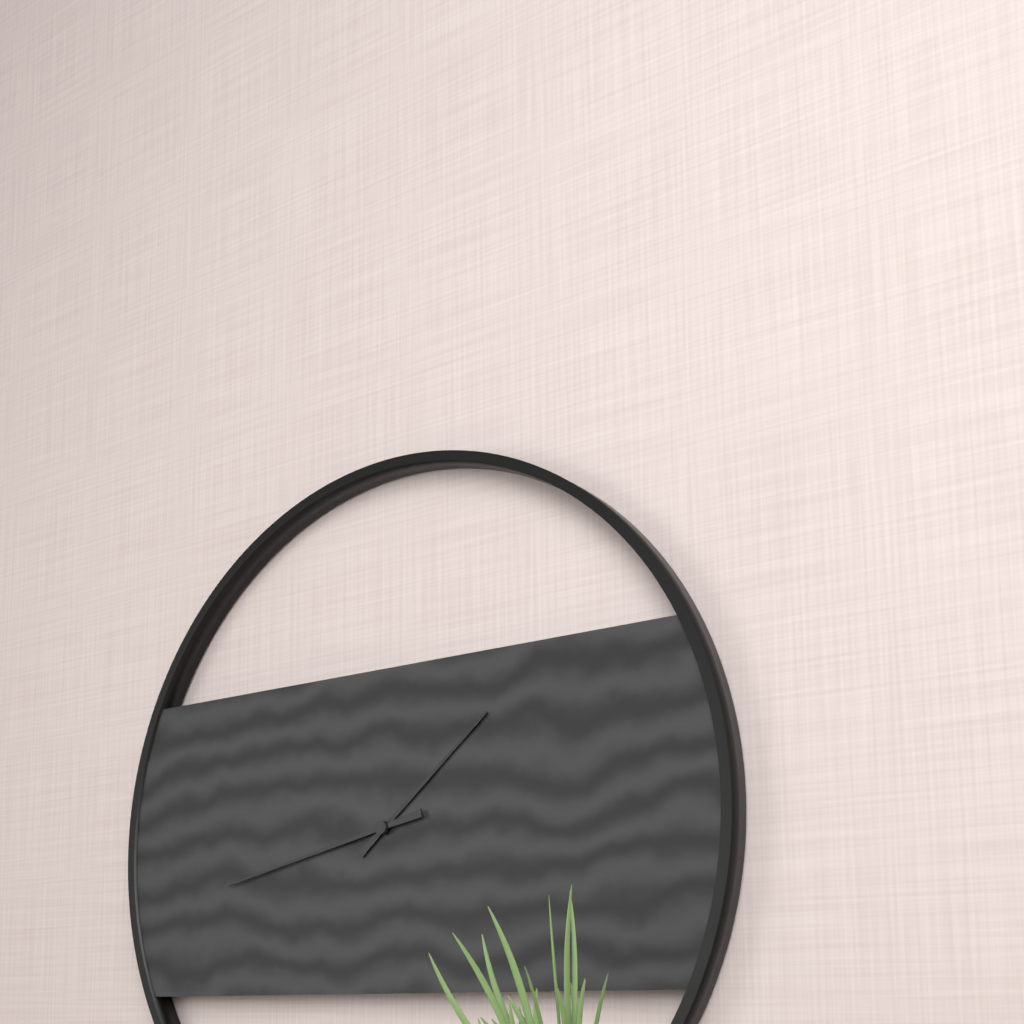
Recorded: h=1 m=43
